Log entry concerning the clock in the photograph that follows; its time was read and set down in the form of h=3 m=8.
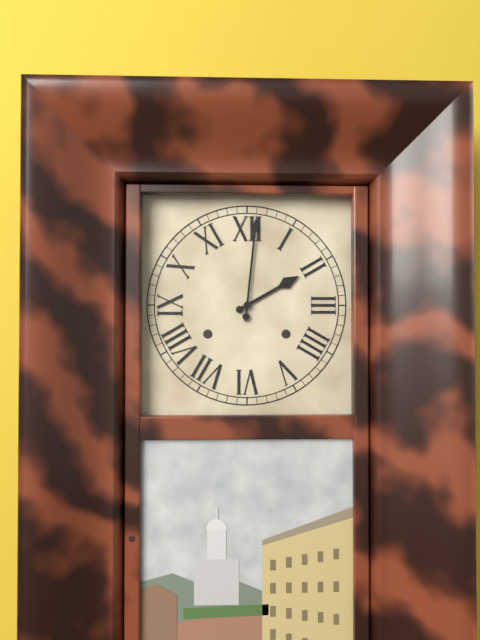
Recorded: h=2 m=1
